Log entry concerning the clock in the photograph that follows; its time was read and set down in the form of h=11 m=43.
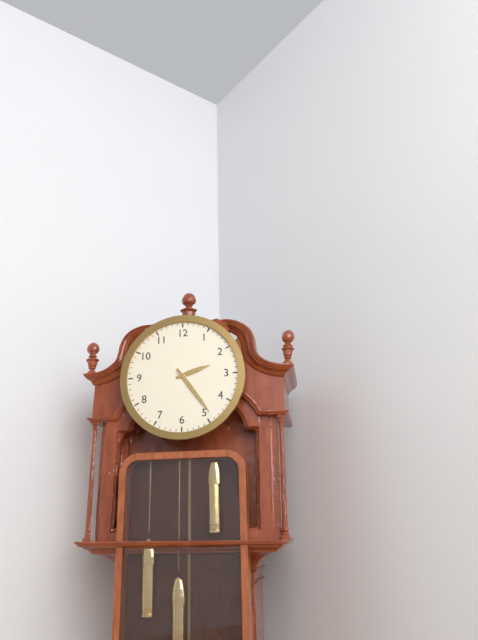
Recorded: h=2 m=24
